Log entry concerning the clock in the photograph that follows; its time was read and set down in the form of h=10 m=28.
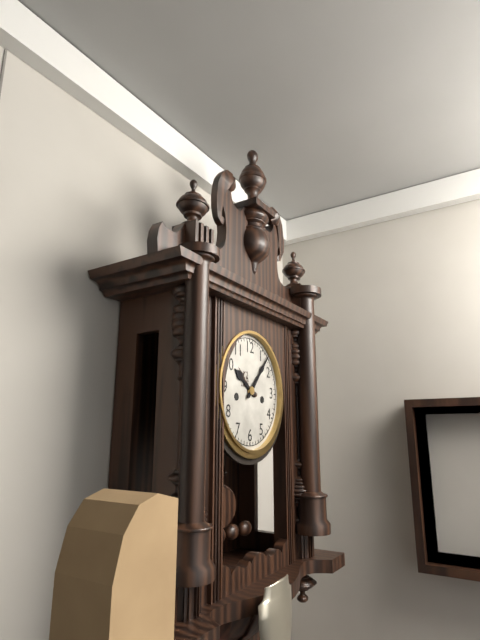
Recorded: h=10 m=7
